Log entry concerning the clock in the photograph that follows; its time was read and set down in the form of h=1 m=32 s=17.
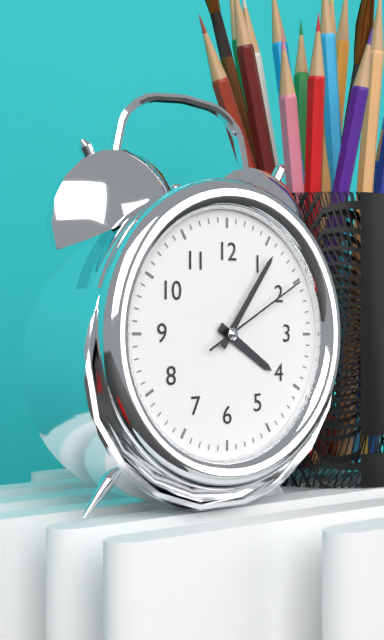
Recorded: h=4 m=6 s=10
